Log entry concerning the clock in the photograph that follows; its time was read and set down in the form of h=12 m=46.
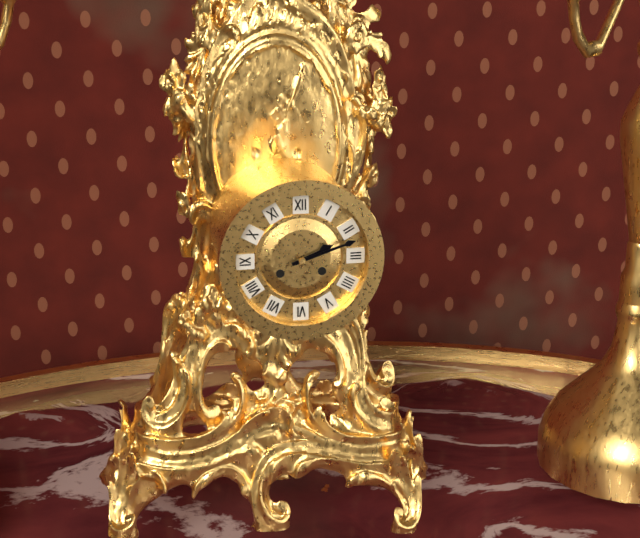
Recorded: h=2 m=12
